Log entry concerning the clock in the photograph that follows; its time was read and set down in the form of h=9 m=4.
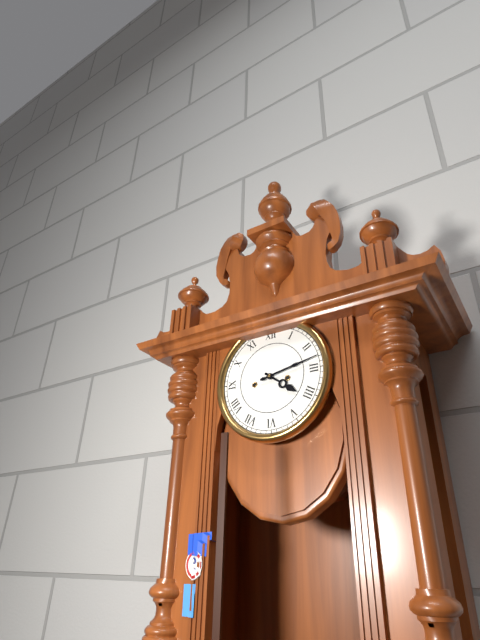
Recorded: h=4 m=13
